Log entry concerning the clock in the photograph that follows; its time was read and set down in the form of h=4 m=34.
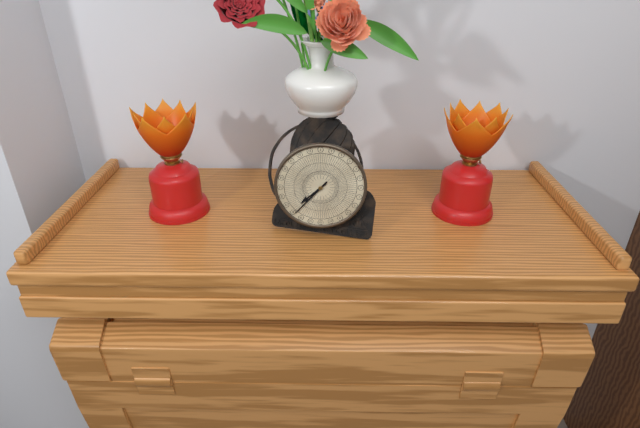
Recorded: h=7 m=37
